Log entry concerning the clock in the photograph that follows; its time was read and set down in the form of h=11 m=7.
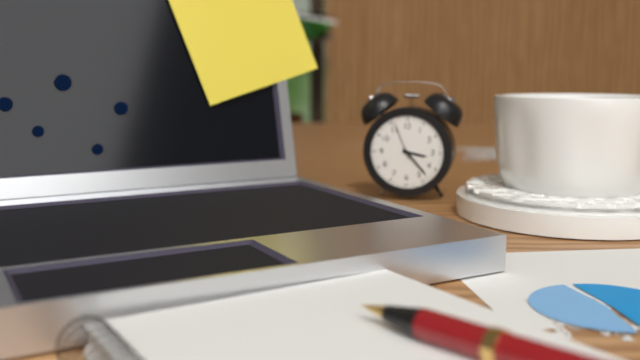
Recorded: h=3 m=23
